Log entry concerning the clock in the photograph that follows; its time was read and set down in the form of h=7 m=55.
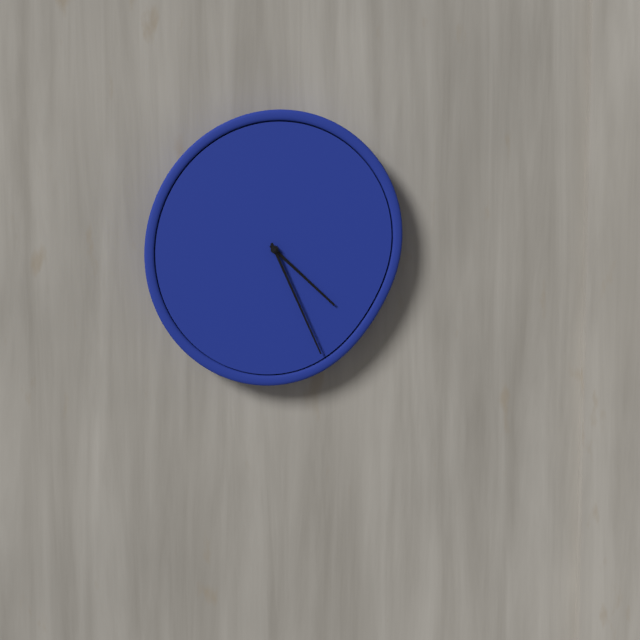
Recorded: h=4 m=26
